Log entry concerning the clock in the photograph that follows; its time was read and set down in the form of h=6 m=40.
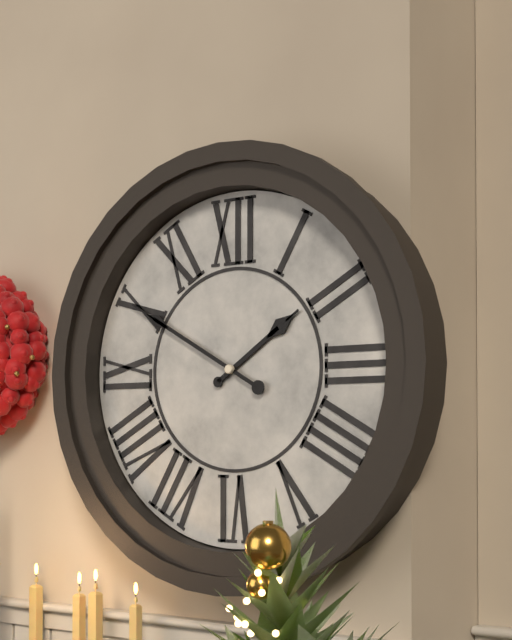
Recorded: h=1 m=50
